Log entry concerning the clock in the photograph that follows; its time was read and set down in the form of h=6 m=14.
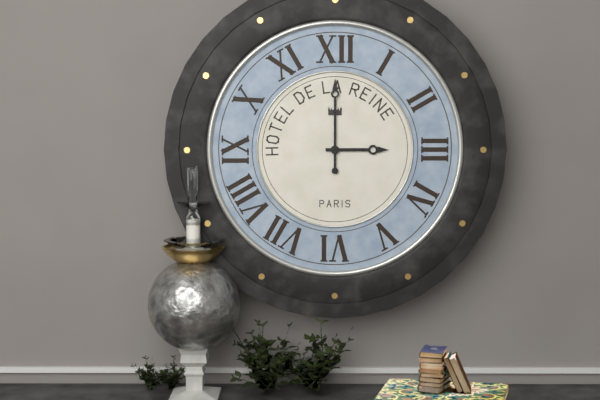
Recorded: h=3 m=0
